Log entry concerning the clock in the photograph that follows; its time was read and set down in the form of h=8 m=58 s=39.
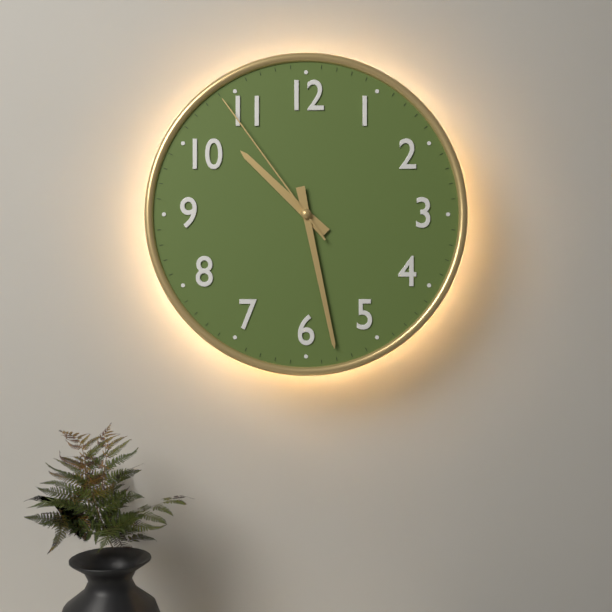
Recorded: h=10 m=28 s=54
